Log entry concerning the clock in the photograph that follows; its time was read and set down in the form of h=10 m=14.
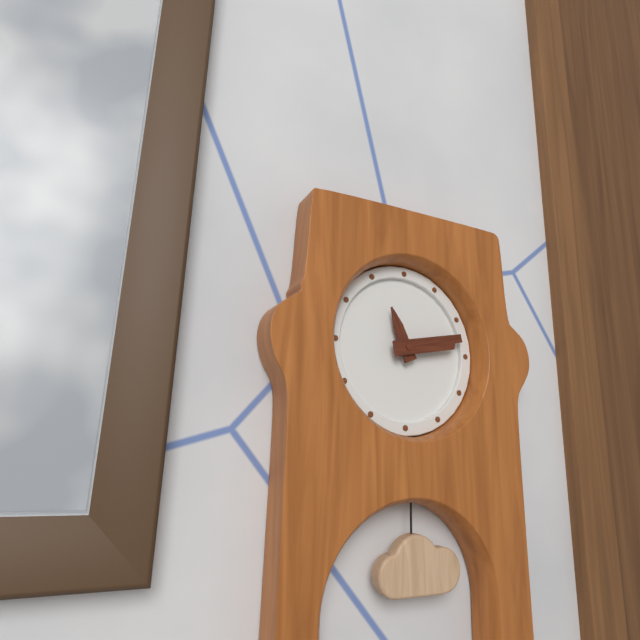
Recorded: h=11 m=13
